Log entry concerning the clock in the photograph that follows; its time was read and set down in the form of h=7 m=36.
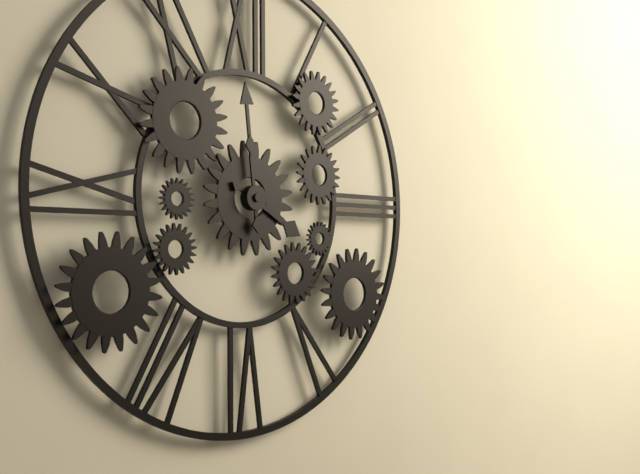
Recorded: h=3 m=59
